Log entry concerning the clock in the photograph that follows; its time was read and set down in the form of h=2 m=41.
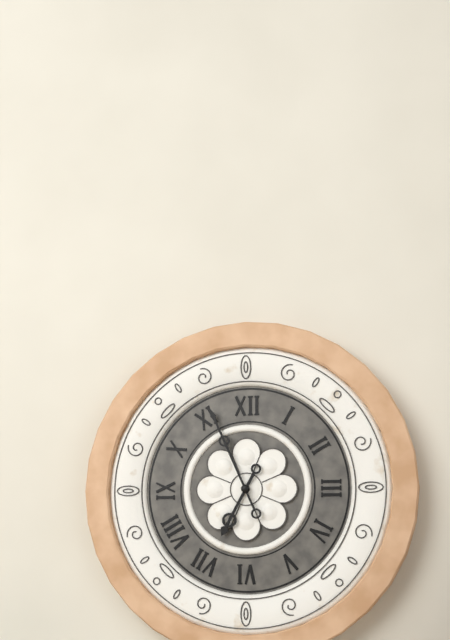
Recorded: h=6 m=56
